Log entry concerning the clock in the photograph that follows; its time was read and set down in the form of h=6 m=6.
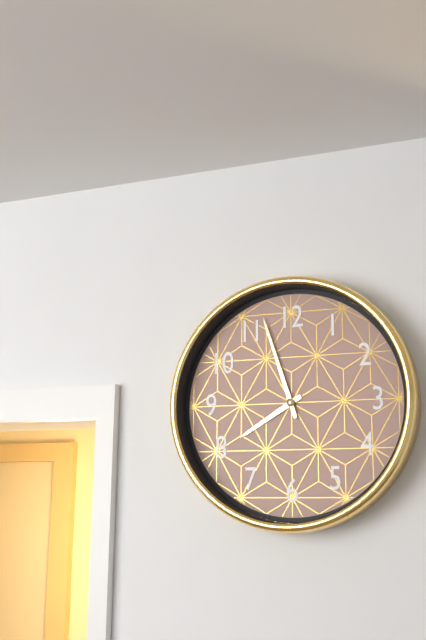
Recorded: h=7 m=57
